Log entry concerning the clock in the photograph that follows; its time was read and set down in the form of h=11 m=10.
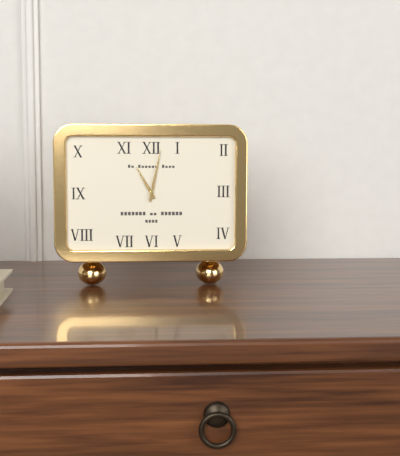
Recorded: h=11 m=2
